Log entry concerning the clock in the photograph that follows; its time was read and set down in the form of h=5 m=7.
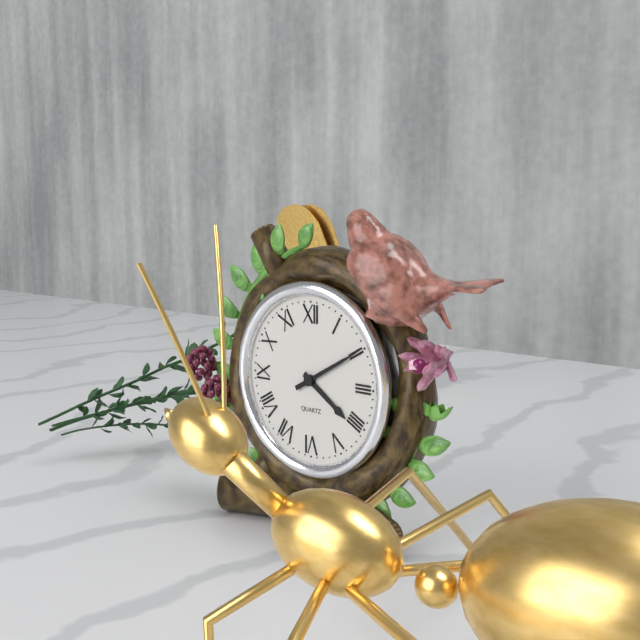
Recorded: h=4 m=10
